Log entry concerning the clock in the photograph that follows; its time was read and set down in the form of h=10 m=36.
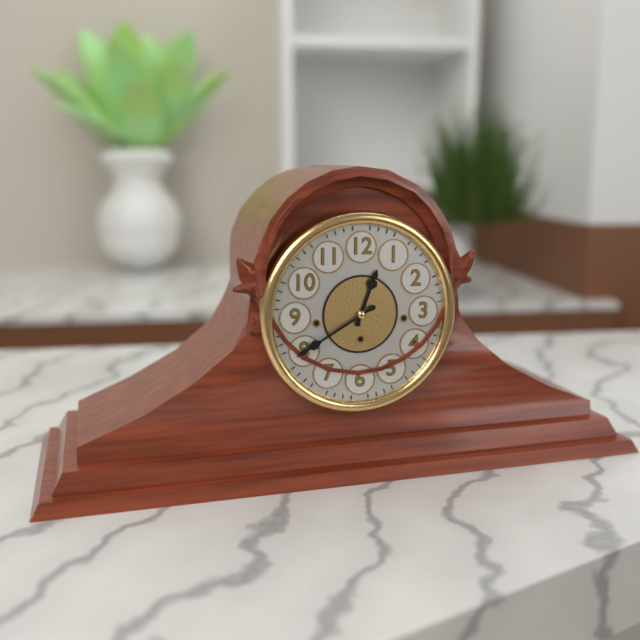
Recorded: h=12 m=40
